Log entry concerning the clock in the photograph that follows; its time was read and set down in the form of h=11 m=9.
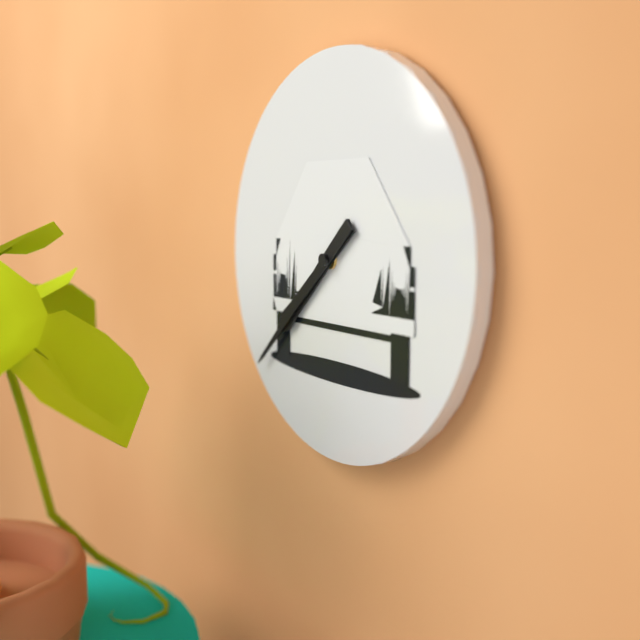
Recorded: h=7 m=38
